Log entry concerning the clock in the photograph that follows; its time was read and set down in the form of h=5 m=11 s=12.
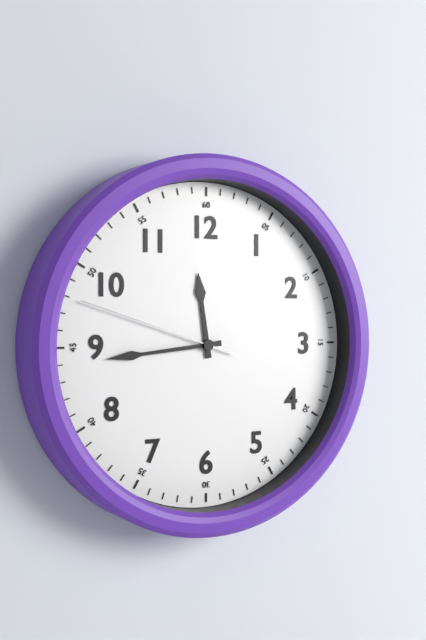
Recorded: h=11 m=44 s=48
